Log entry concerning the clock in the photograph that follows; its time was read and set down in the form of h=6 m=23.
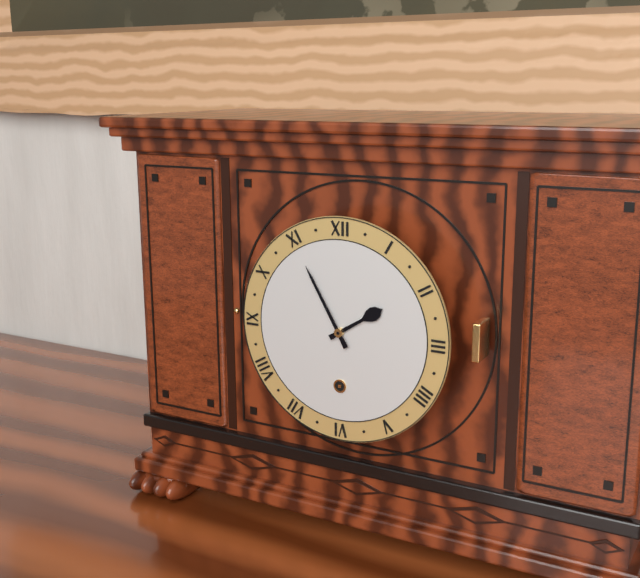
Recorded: h=1 m=55
